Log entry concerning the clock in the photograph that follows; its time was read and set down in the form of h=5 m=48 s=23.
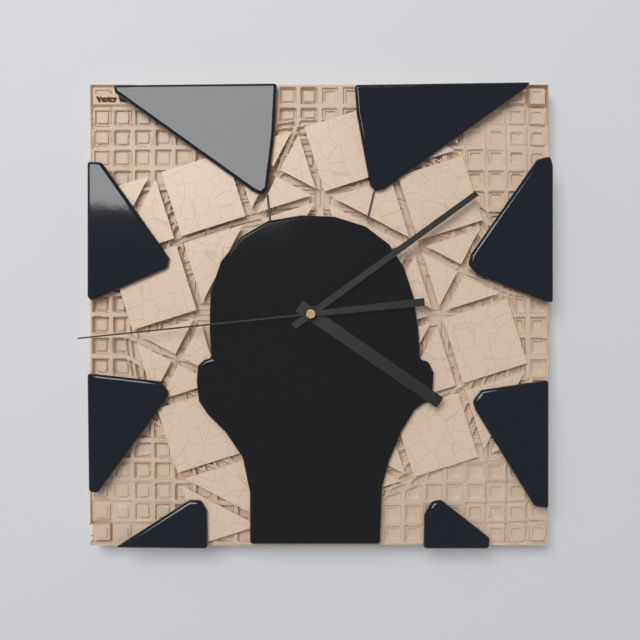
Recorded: h=4 m=9 s=44
